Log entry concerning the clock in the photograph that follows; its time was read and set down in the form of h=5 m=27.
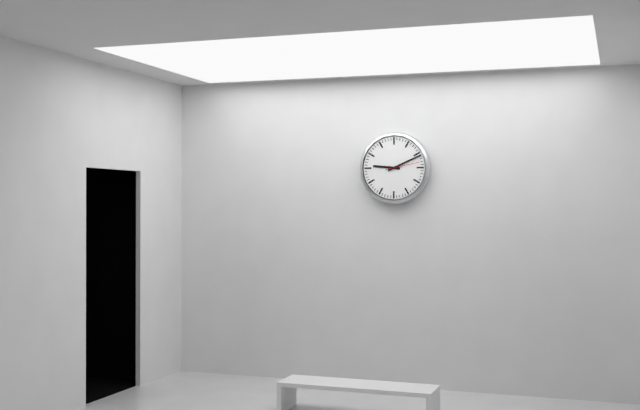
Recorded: h=9 m=11
